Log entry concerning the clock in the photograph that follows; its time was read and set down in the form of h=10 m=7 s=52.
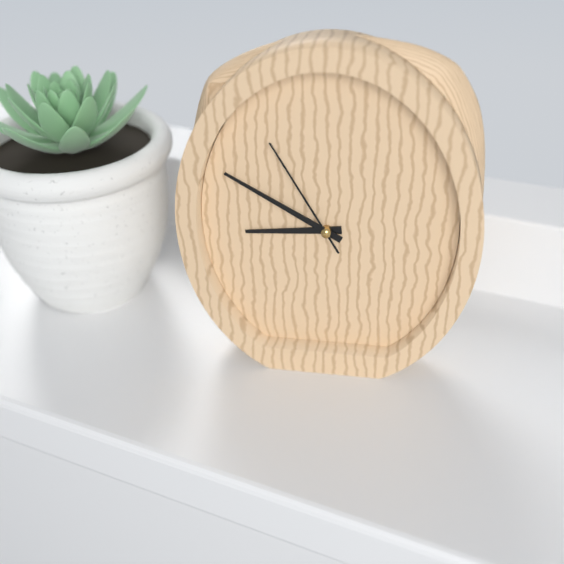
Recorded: h=8 m=50 s=55
